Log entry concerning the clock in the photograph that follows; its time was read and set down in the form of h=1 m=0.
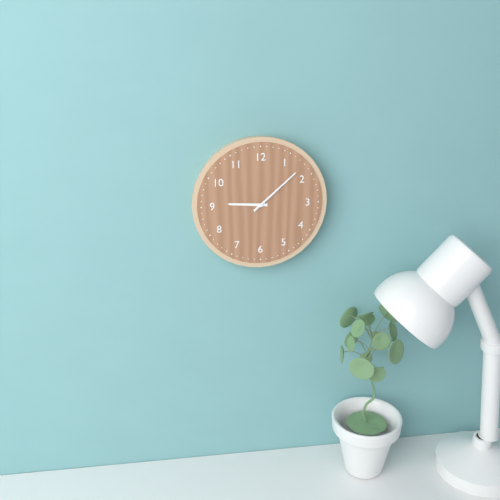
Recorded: h=9 m=8
